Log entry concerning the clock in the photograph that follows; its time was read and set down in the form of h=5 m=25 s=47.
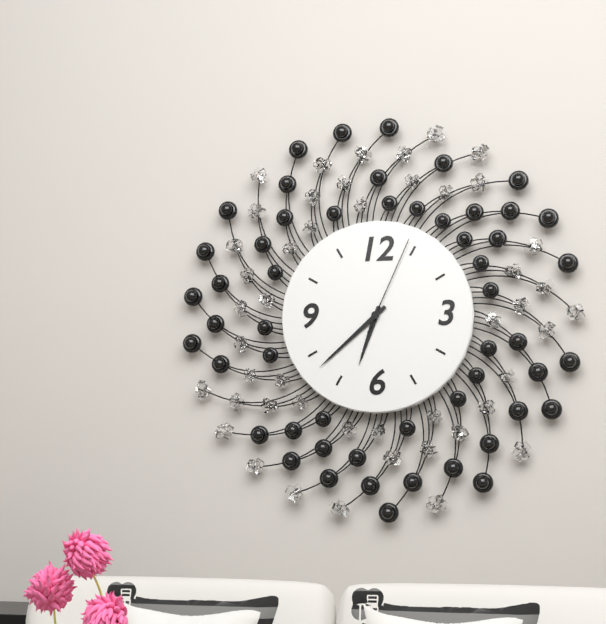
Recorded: h=6 m=38 s=4
